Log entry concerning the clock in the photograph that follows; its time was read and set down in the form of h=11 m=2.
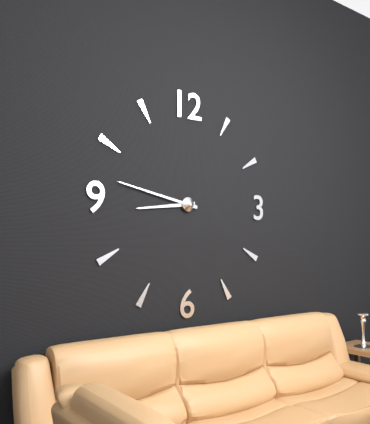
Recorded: h=8 m=47
